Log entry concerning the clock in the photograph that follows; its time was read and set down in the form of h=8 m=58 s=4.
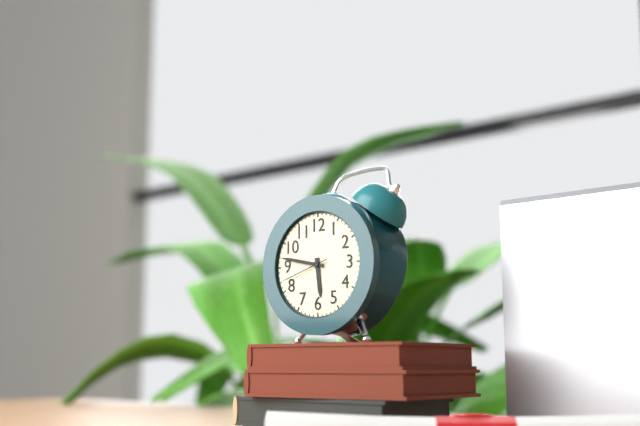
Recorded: h=5 m=47 s=42
